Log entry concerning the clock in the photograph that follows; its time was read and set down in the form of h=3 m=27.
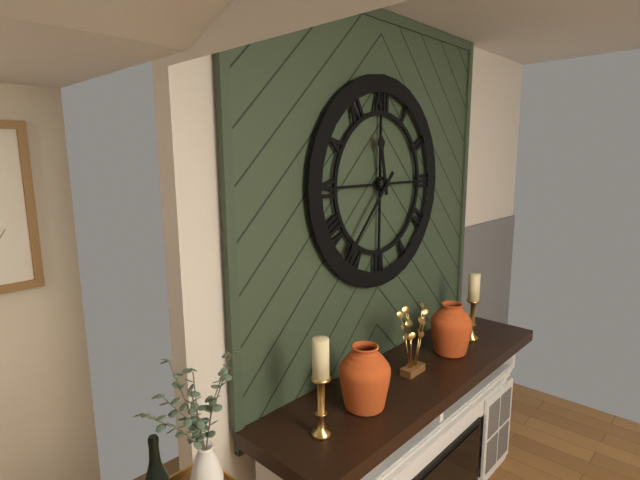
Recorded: h=11 m=37
